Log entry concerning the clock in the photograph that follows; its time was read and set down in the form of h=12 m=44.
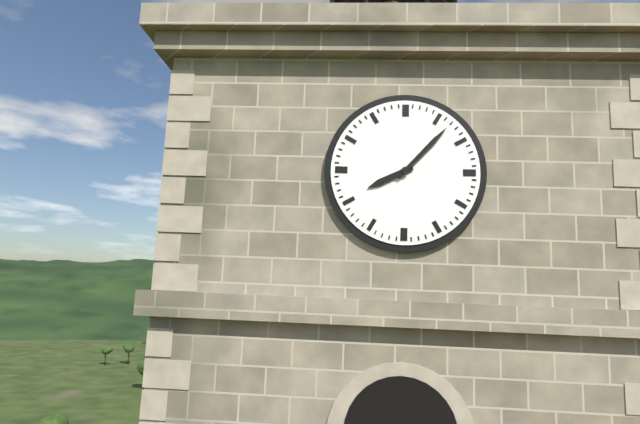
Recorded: h=8 m=7
